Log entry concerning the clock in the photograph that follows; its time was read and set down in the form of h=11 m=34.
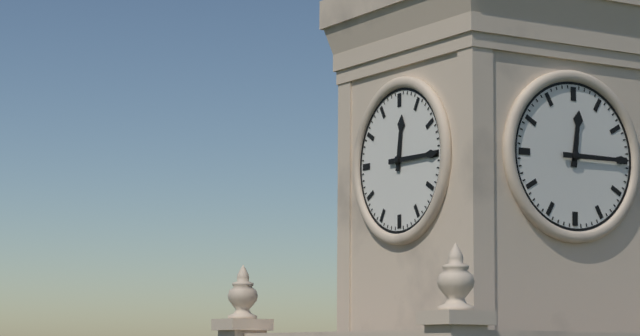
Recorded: h=12 m=15
